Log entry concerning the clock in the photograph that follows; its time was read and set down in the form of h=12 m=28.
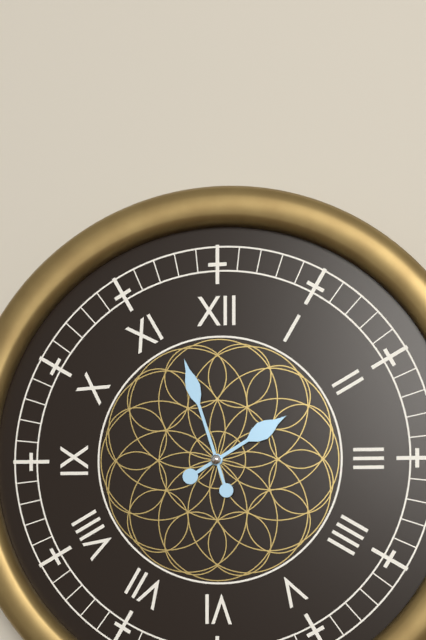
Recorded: h=1 m=57
